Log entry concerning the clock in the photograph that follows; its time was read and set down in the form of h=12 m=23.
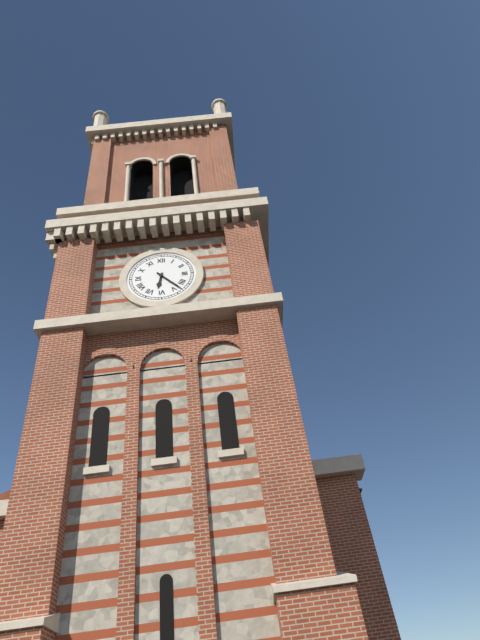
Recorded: h=6 m=23
